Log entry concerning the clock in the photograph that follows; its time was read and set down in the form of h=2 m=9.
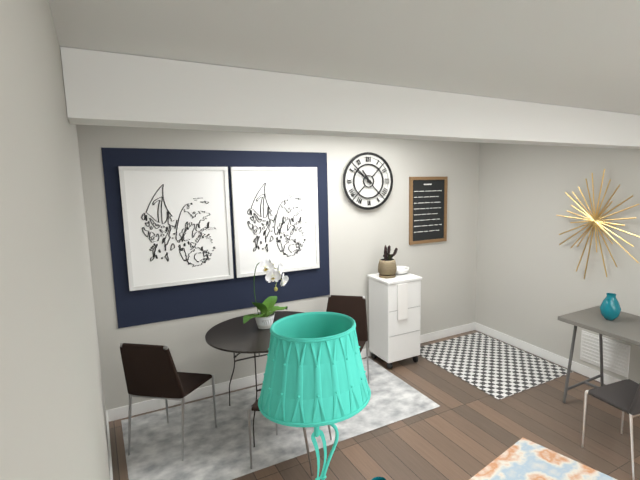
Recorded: h=10 m=51
